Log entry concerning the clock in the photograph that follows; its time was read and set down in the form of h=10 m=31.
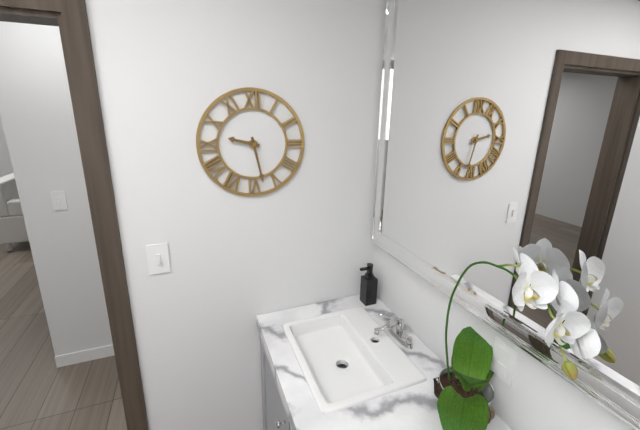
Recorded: h=9 m=28
